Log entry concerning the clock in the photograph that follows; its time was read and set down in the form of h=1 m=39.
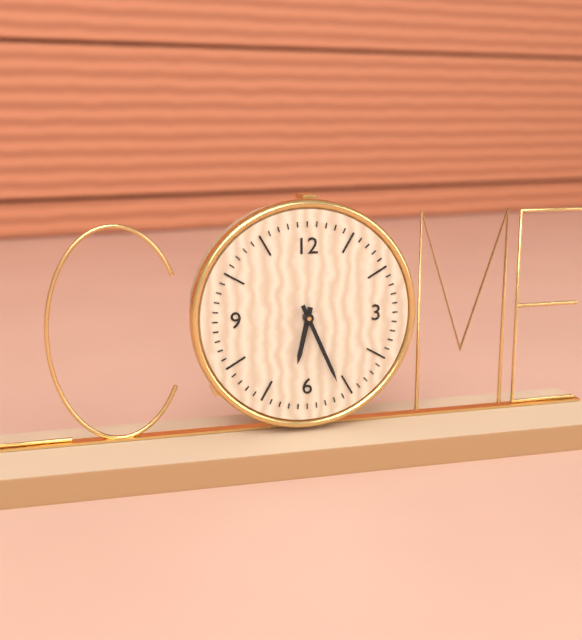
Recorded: h=6 m=26
